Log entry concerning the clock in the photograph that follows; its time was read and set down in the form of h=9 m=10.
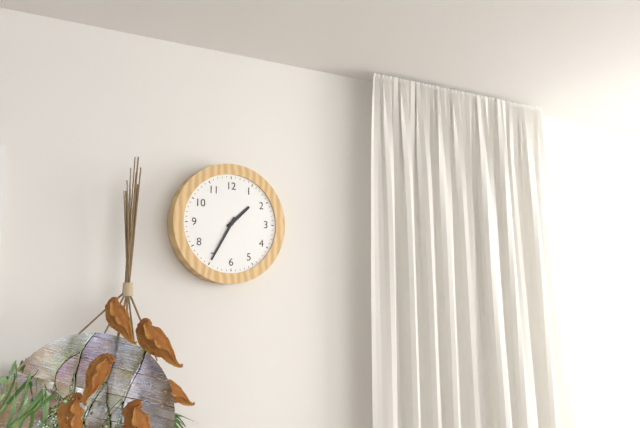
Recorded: h=1 m=35
